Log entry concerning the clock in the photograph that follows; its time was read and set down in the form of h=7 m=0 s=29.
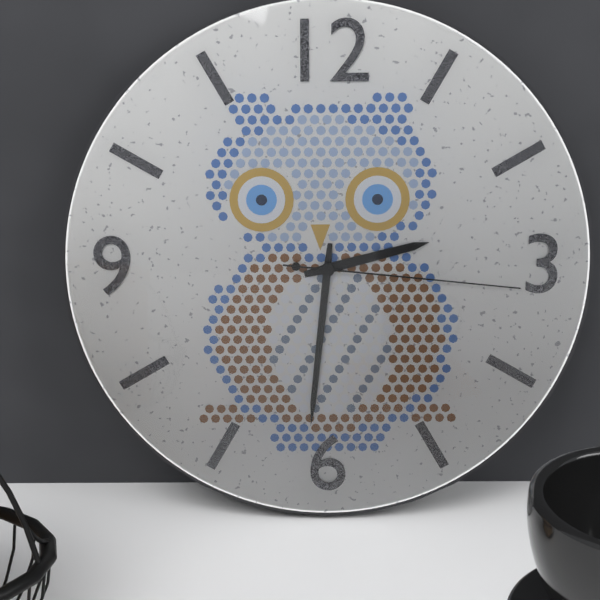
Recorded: h=2 m=31 s=16
